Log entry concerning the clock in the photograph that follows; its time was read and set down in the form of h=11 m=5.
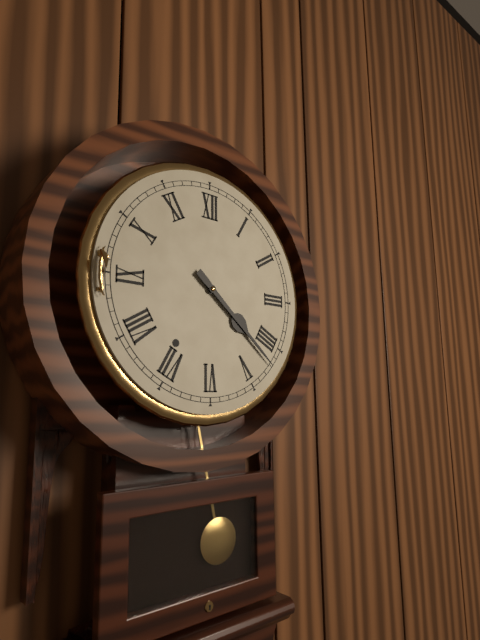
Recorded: h=4 m=22
